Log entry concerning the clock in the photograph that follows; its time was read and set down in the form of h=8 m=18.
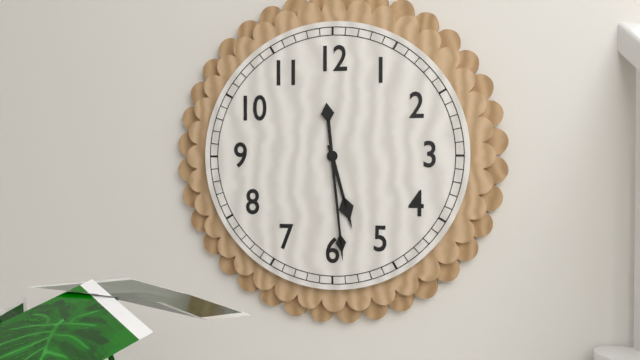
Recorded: h=5 m=29
